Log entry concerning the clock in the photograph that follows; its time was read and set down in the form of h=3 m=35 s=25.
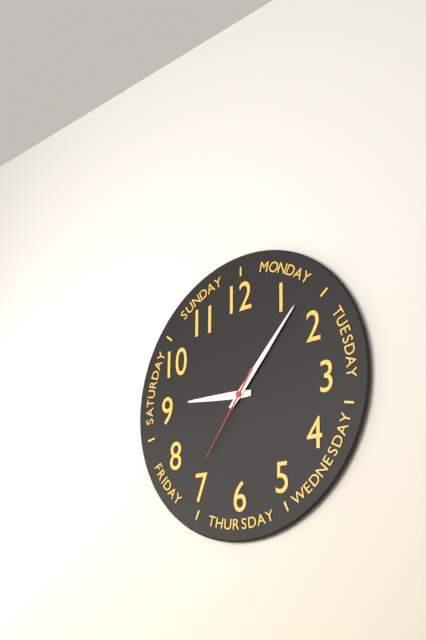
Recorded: h=9 m=7 s=36
